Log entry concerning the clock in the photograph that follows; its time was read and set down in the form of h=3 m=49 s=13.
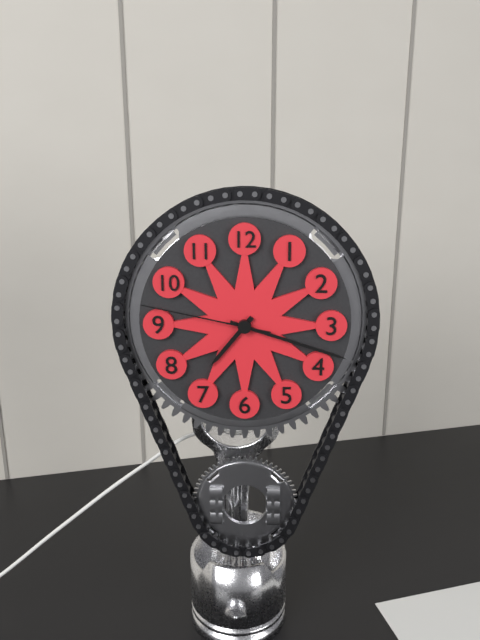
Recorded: h=7 m=18 s=47
